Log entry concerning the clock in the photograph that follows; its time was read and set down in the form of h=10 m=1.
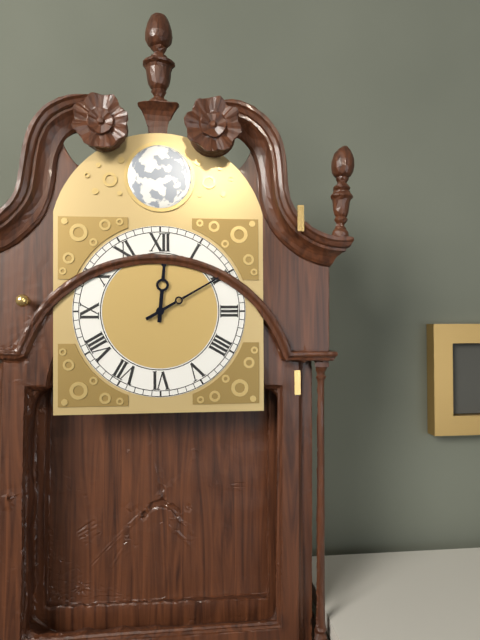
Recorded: h=12 m=10
